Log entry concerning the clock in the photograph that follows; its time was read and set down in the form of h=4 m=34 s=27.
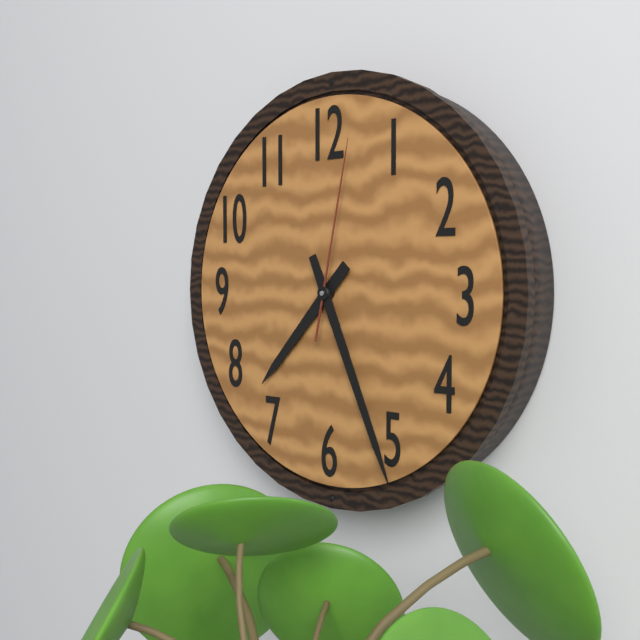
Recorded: h=7 m=26 s=2
